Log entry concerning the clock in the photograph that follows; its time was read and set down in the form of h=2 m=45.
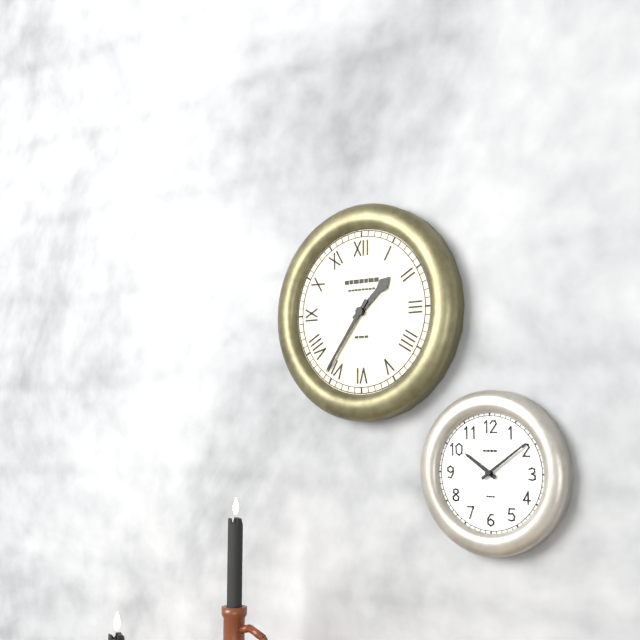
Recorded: h=1 m=36
